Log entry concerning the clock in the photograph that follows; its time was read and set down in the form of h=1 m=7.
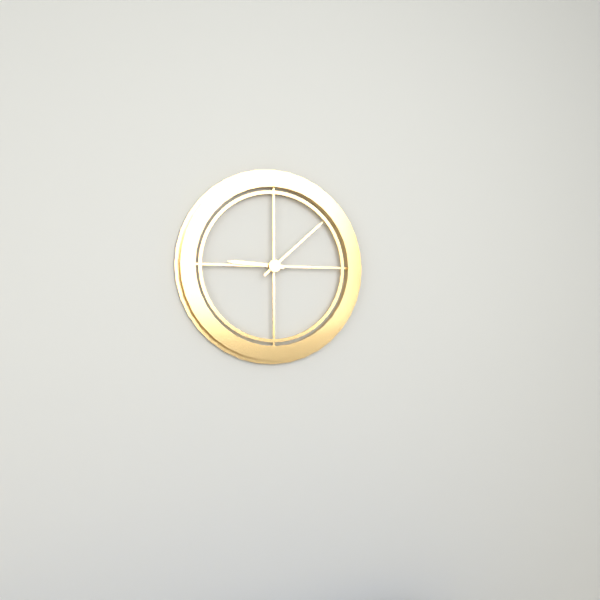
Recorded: h=9 m=8
